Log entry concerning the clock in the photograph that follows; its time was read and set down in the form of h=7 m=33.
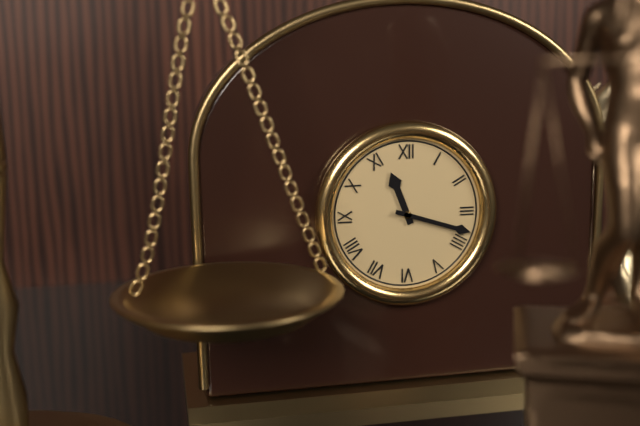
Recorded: h=11 m=18
